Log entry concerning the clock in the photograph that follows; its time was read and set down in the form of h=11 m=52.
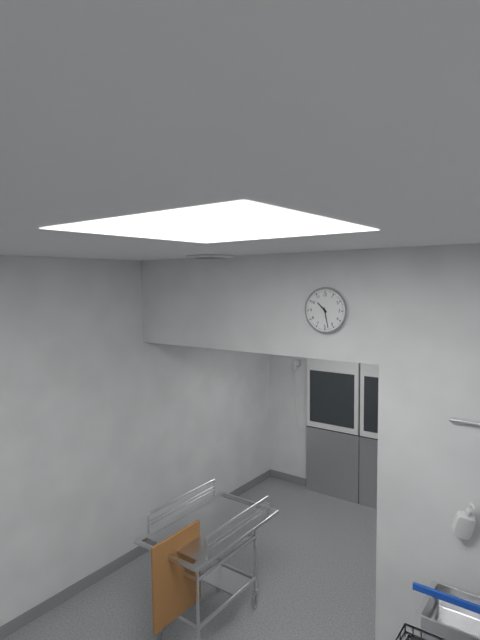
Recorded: h=10 m=28
